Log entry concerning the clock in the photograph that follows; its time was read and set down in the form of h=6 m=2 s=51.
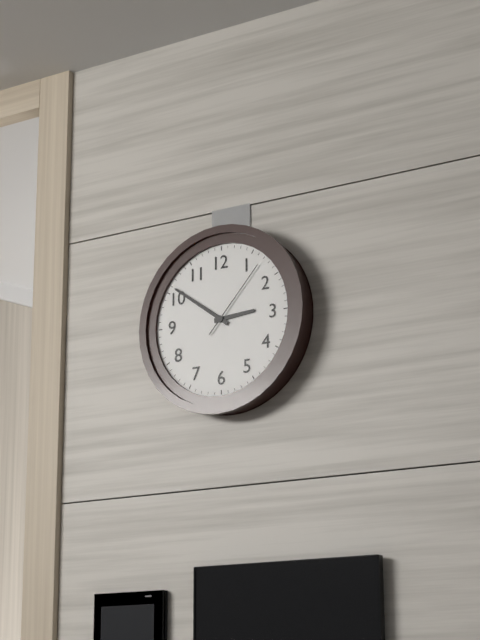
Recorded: h=2 m=51 s=7
